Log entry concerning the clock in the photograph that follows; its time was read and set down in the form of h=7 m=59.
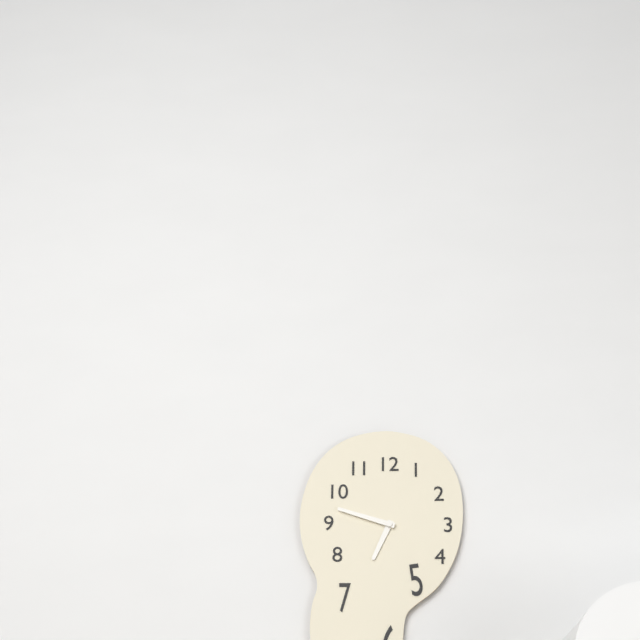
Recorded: h=6 m=48
